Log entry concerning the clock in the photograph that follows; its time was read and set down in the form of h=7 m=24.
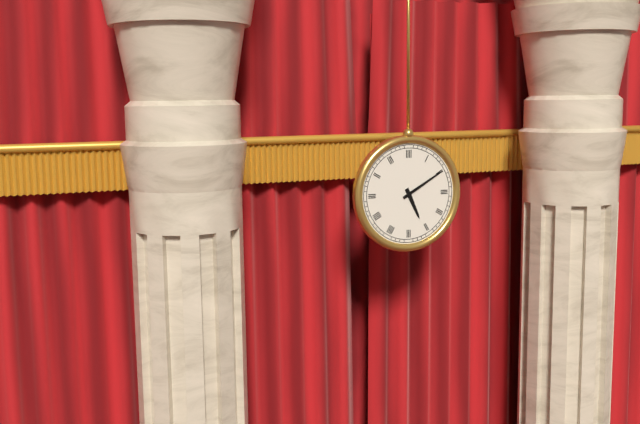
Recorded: h=5 m=10
